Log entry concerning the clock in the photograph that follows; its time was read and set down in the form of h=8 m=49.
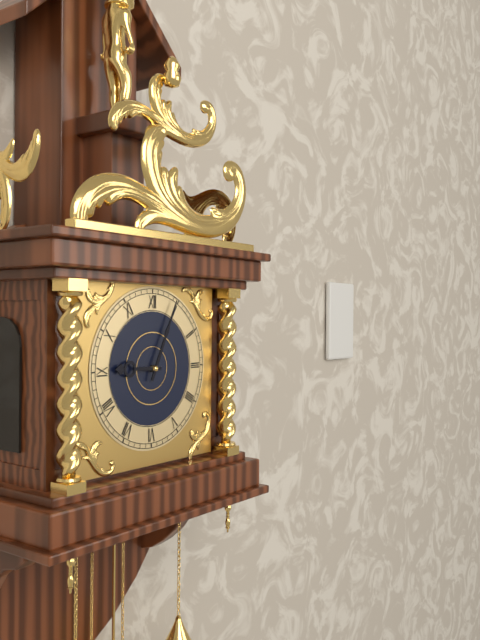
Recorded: h=9 m=4
